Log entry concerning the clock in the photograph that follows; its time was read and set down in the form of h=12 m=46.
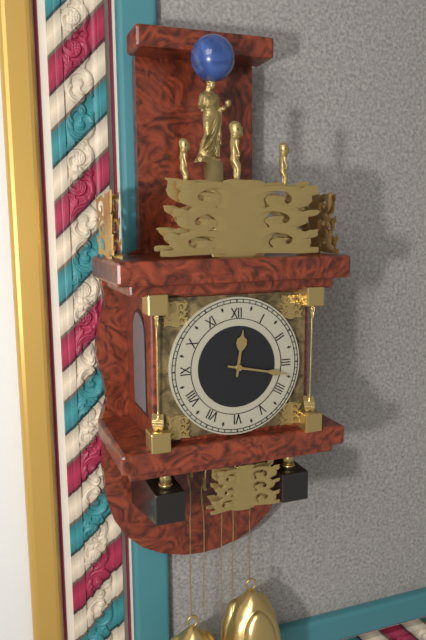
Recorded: h=12 m=17
